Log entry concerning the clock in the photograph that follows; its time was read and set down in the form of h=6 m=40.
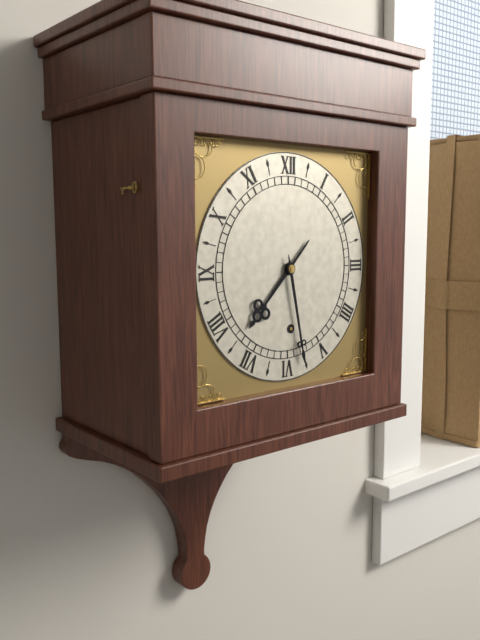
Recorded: h=7 m=28
